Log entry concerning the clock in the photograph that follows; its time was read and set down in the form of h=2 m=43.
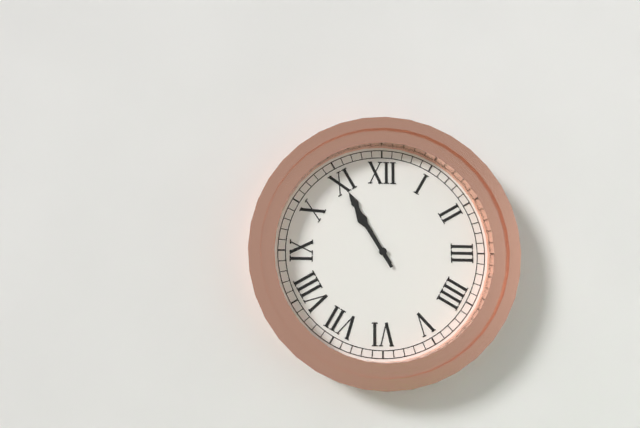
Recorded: h=10 m=55
